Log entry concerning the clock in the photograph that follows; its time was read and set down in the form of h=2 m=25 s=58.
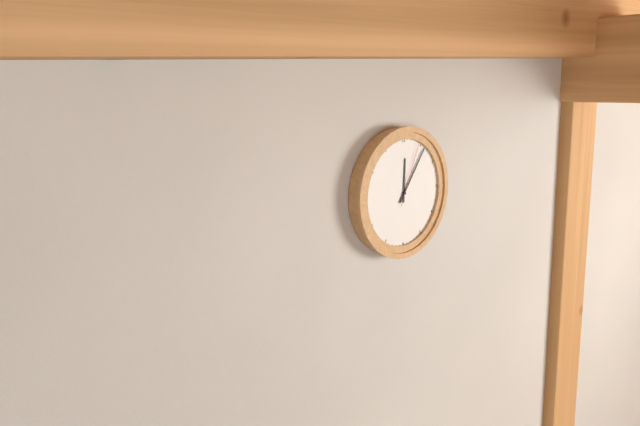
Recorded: h=12 m=6 s=4
